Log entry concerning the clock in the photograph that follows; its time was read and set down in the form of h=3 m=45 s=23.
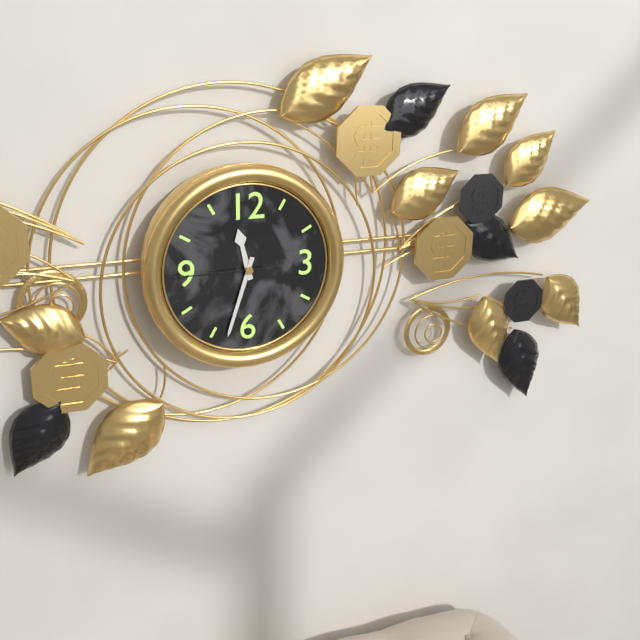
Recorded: h=11 m=33 s=45
